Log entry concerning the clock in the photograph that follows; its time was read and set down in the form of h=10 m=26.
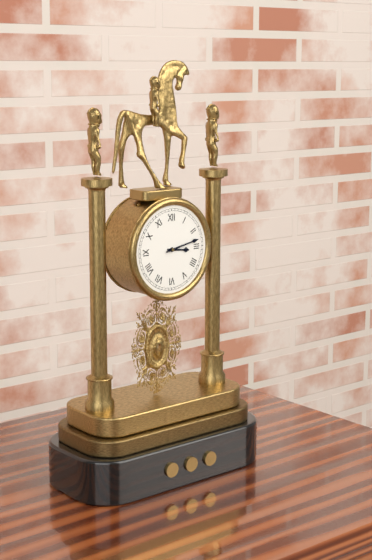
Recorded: h=3 m=13
